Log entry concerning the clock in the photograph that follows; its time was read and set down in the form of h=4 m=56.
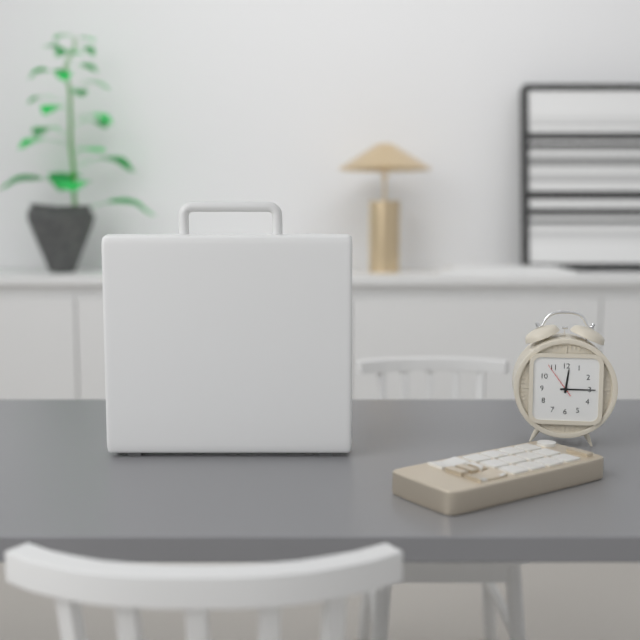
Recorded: h=12 m=15
